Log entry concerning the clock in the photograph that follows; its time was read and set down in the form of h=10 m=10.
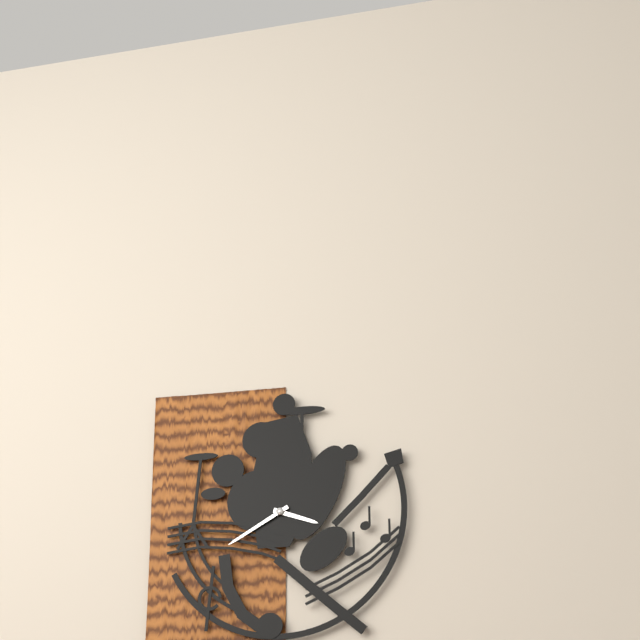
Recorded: h=3 m=40
